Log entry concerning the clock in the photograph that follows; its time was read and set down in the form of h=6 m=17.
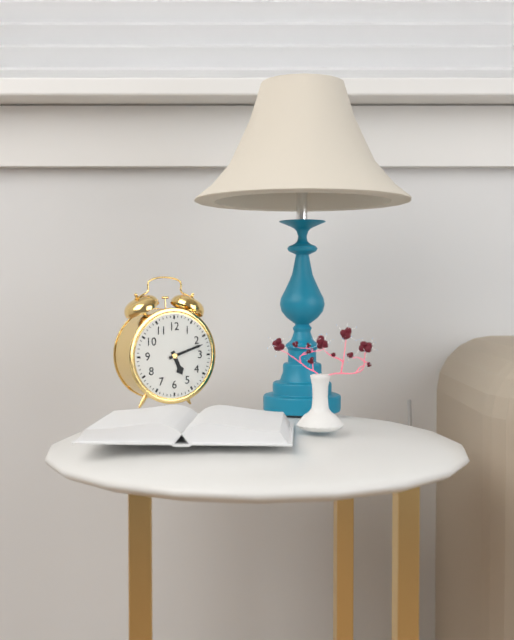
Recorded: h=5 m=12
